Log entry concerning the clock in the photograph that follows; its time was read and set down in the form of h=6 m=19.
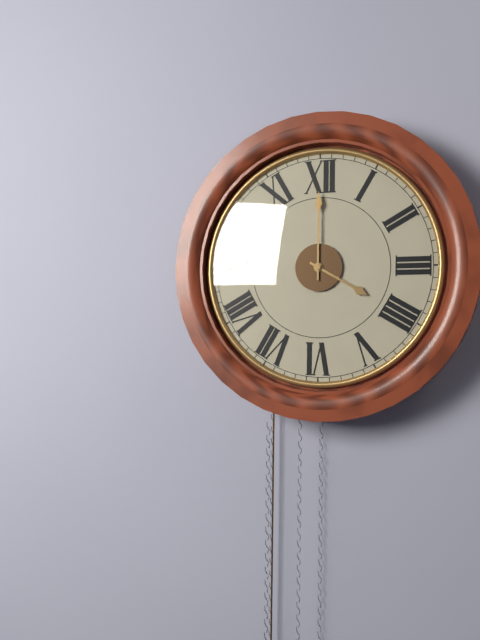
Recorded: h=4 m=0
